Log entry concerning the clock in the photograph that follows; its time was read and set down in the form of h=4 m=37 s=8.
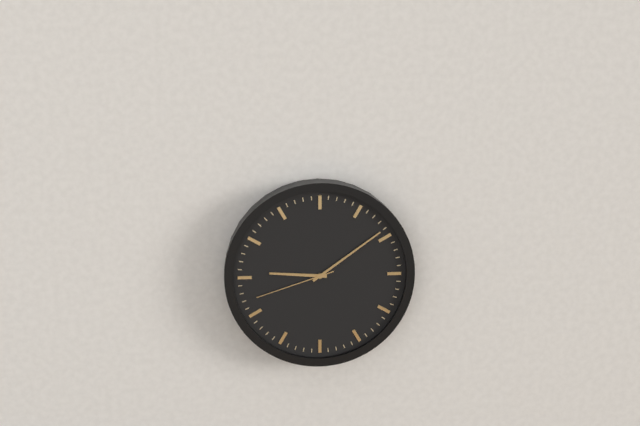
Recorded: h=9 m=9 s=42
